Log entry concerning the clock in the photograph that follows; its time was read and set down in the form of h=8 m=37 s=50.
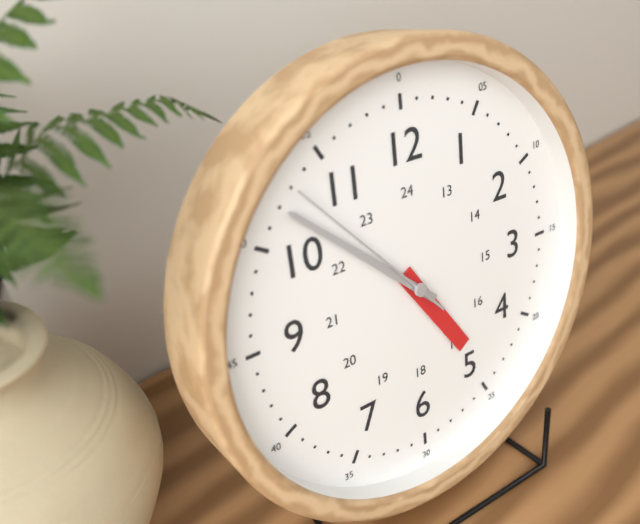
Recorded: h=4 m=52 s=53
